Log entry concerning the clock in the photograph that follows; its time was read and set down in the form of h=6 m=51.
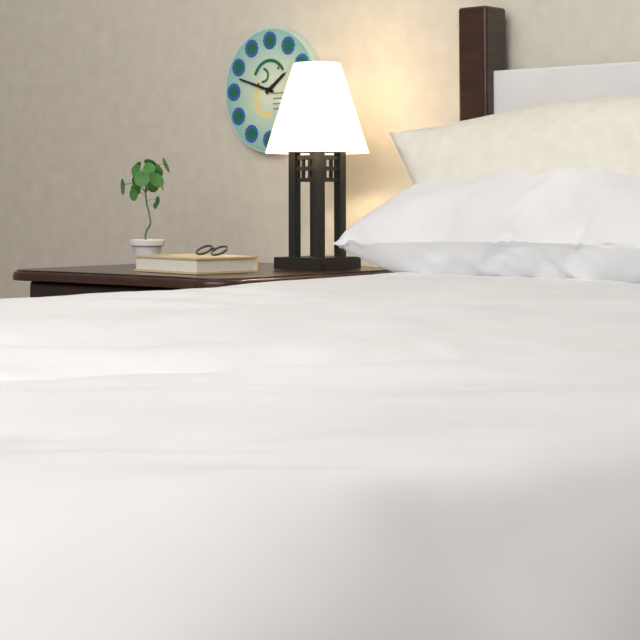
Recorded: h=1 m=48
